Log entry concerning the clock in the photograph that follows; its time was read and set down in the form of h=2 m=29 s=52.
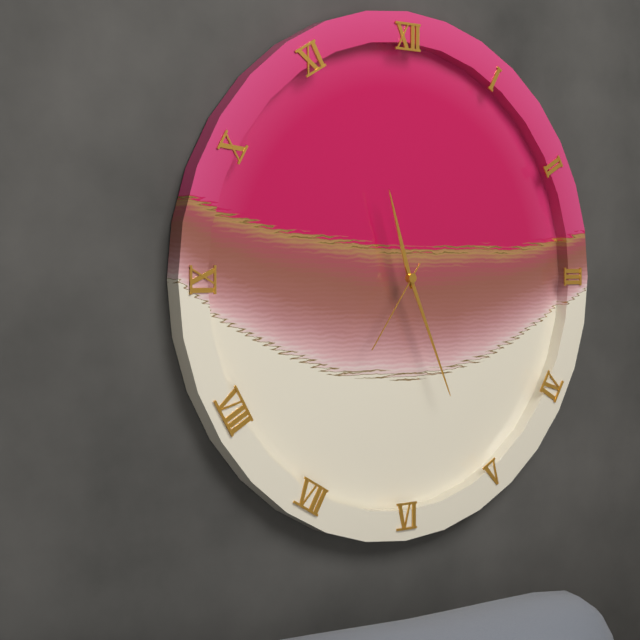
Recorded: h=11 m=26 s=36
